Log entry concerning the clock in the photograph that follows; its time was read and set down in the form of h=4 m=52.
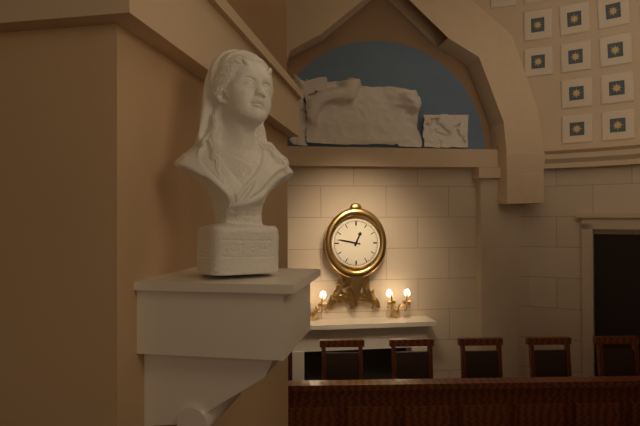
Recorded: h=12 m=47
